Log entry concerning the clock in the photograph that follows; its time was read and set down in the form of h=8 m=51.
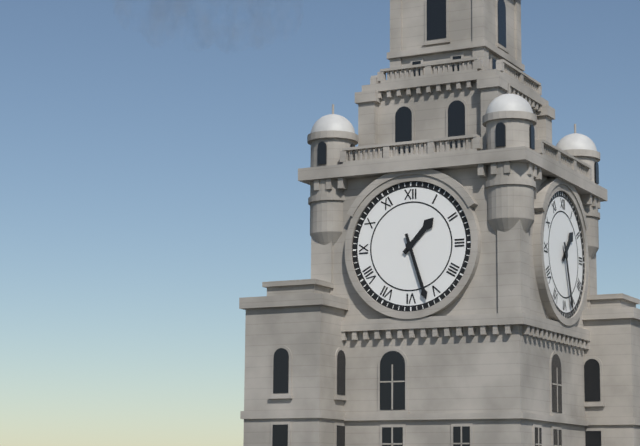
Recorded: h=1 m=27
